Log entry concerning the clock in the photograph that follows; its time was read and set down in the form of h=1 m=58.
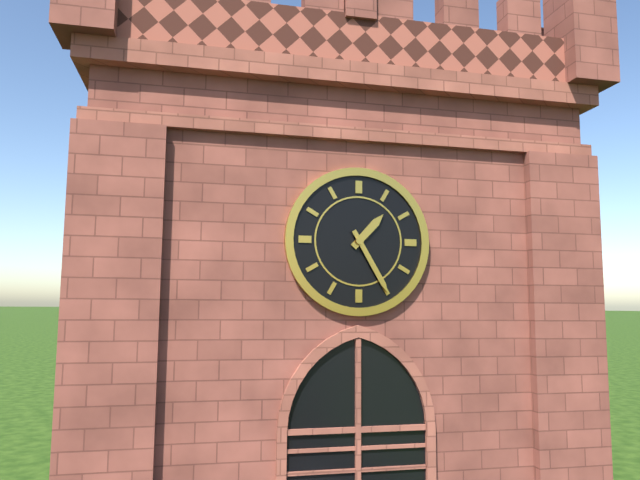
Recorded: h=1 m=25
